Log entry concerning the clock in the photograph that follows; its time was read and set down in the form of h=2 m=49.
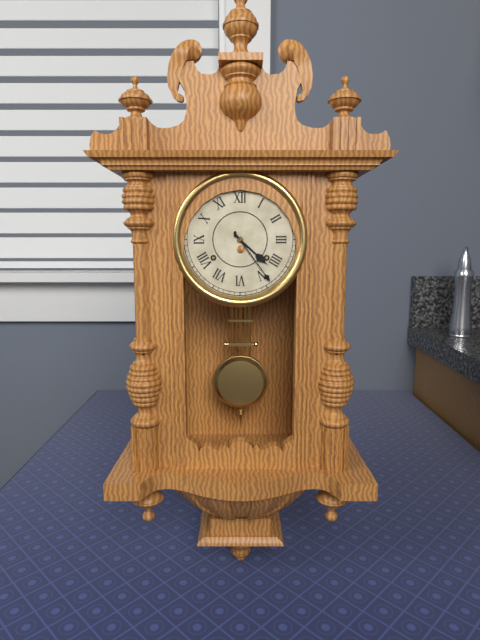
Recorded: h=4 m=24
